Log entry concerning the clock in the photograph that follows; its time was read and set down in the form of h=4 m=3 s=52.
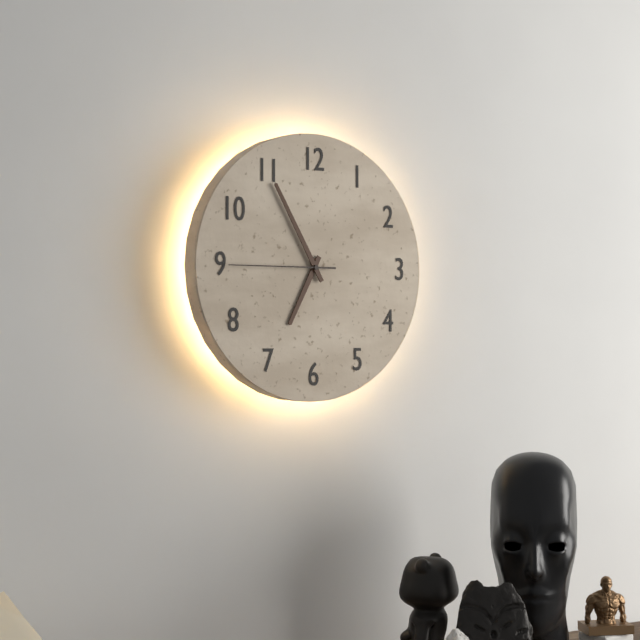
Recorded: h=6 m=55 s=45
